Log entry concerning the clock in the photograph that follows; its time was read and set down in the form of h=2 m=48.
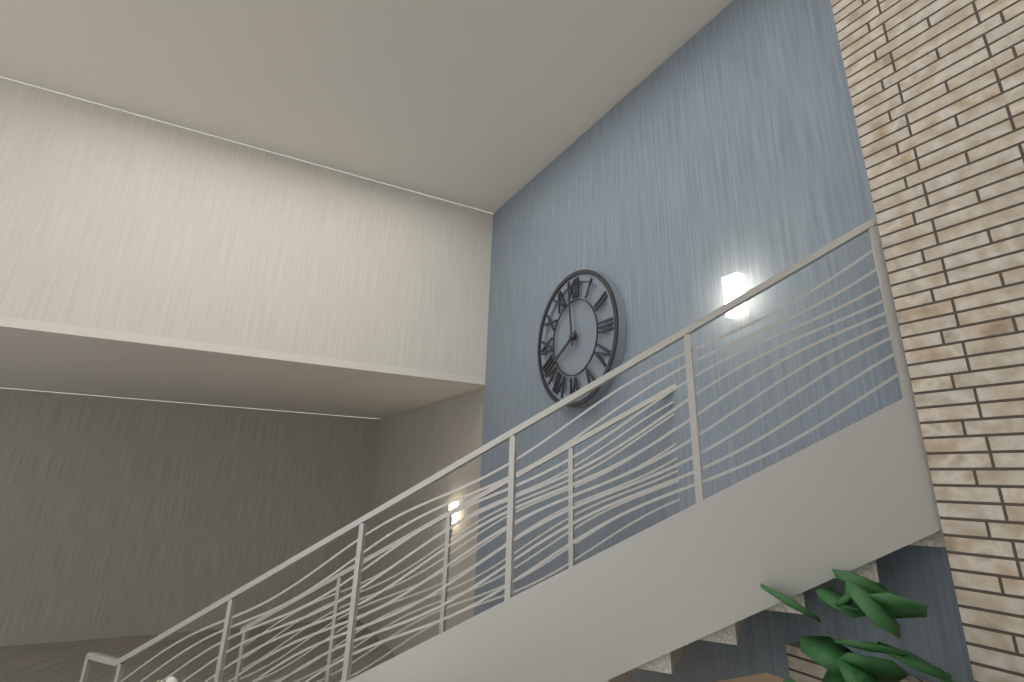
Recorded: h=7 m=59
